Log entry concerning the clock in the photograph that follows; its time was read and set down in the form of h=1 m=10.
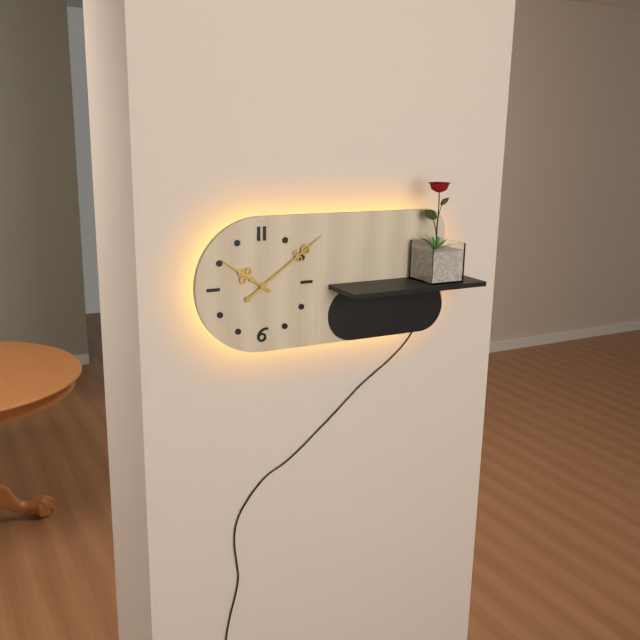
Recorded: h=10 m=9
